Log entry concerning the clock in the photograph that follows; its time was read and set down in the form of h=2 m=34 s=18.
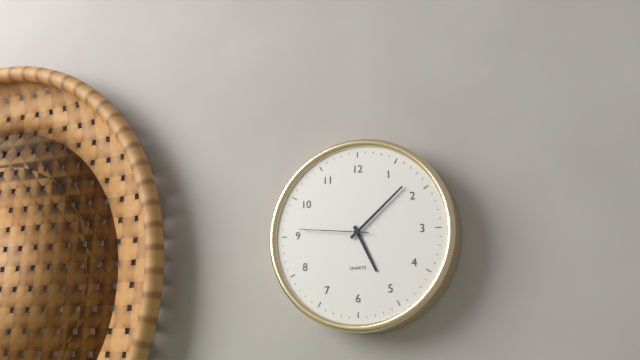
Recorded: h=5 m=8 s=46
